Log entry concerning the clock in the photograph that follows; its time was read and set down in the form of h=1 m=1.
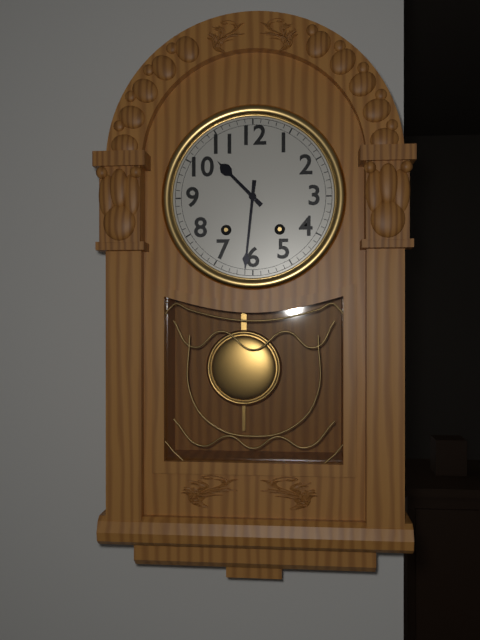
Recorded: h=10 m=31
